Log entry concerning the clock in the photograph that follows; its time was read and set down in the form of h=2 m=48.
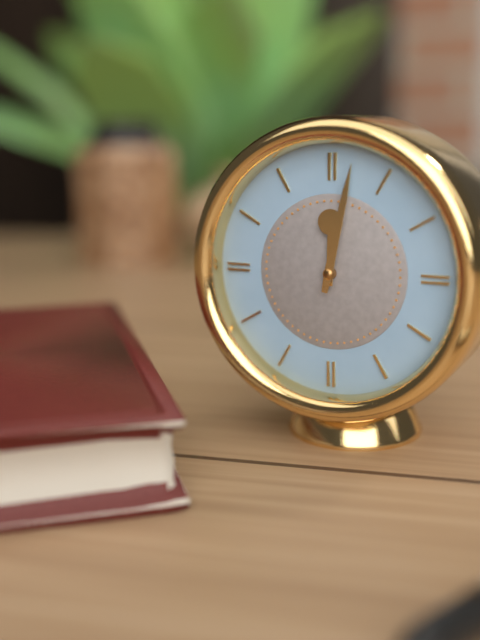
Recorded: h=12 m=2
